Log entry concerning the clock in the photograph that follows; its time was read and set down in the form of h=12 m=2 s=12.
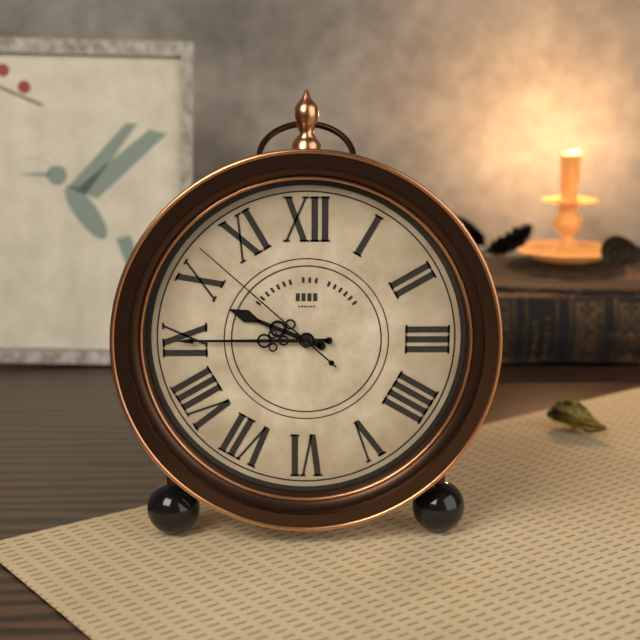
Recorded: h=9 m=45 s=52
